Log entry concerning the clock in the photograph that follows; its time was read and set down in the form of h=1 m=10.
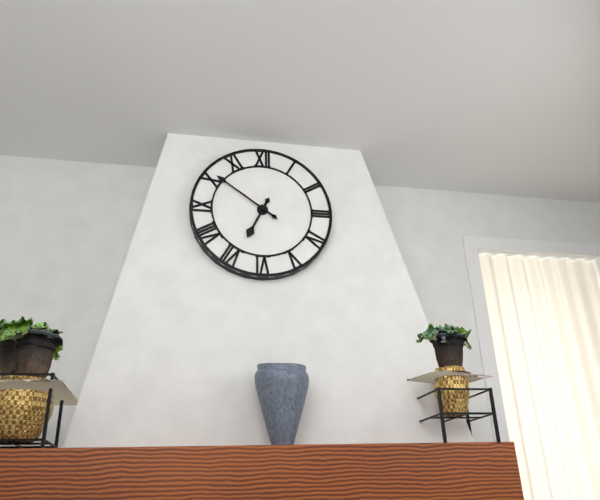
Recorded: h=6 m=51
